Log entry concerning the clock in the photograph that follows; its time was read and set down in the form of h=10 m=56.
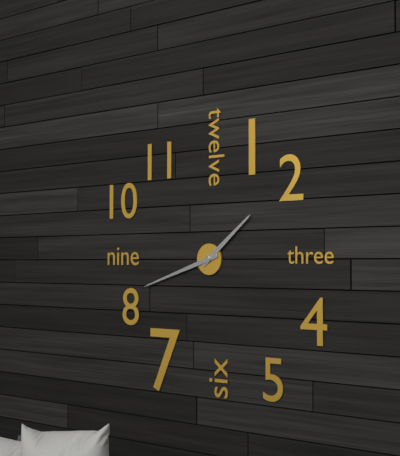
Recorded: h=1 m=42
